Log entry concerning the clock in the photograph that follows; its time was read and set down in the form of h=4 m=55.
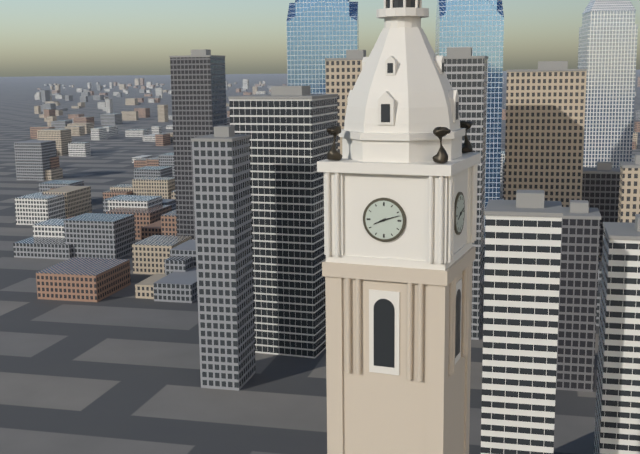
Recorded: h=8 m=12
